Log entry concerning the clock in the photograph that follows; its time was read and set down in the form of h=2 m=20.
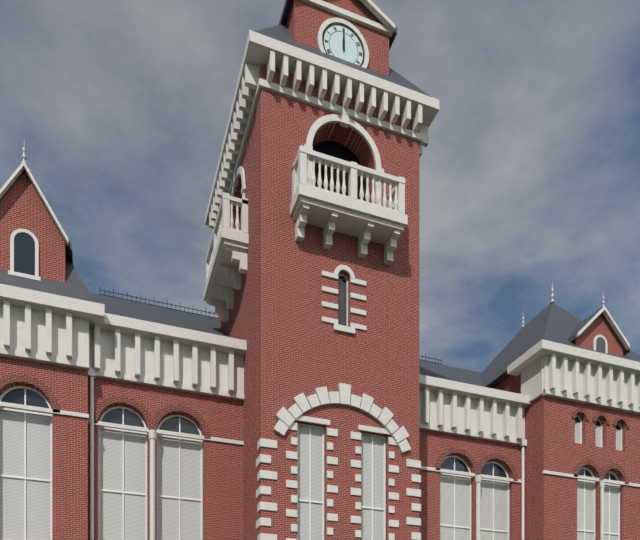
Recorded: h=12 m=0
